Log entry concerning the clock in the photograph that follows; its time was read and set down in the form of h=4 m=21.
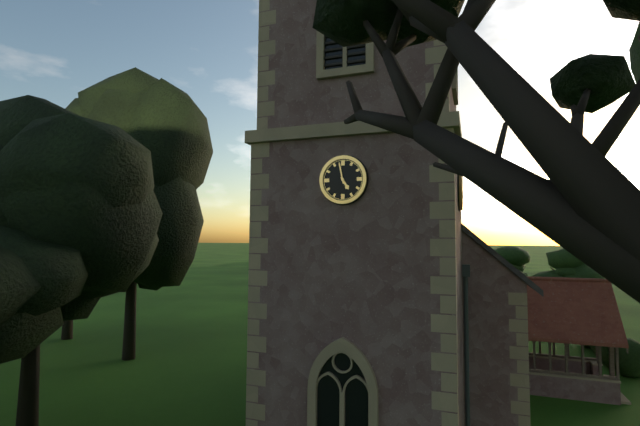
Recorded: h=4 m=58
